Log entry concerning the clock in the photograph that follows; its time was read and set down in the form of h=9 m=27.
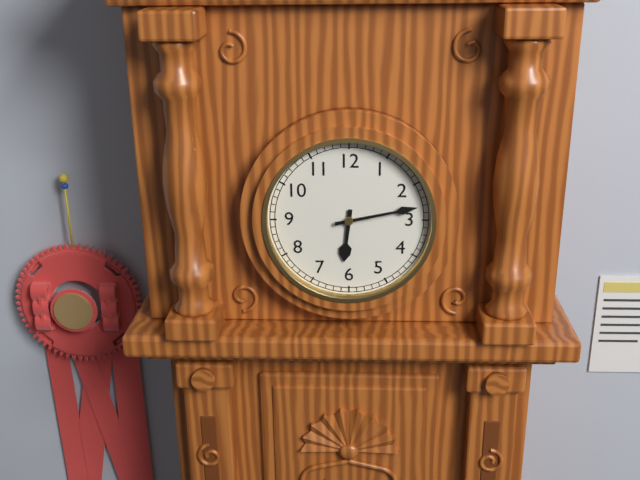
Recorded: h=6 m=13
